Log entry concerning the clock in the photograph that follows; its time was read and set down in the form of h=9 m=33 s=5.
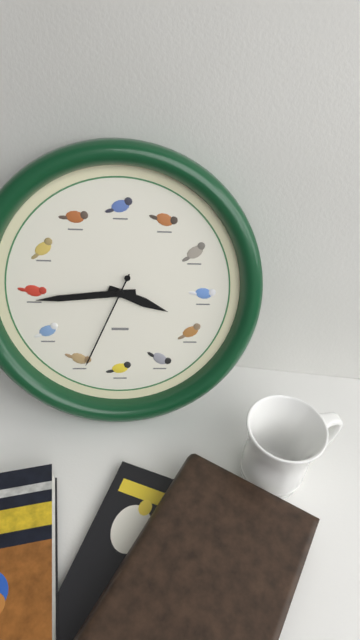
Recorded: h=3 m=44 s=34
